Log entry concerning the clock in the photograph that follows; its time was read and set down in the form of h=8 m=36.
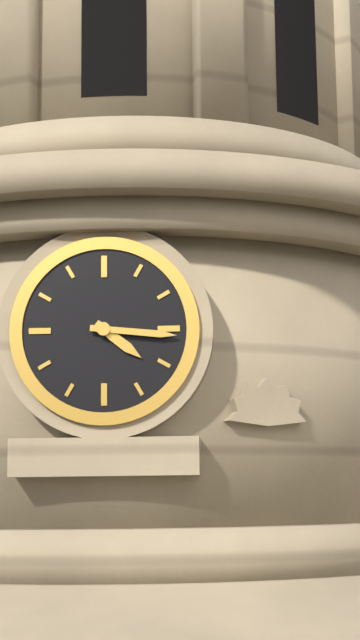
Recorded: h=4 m=16
